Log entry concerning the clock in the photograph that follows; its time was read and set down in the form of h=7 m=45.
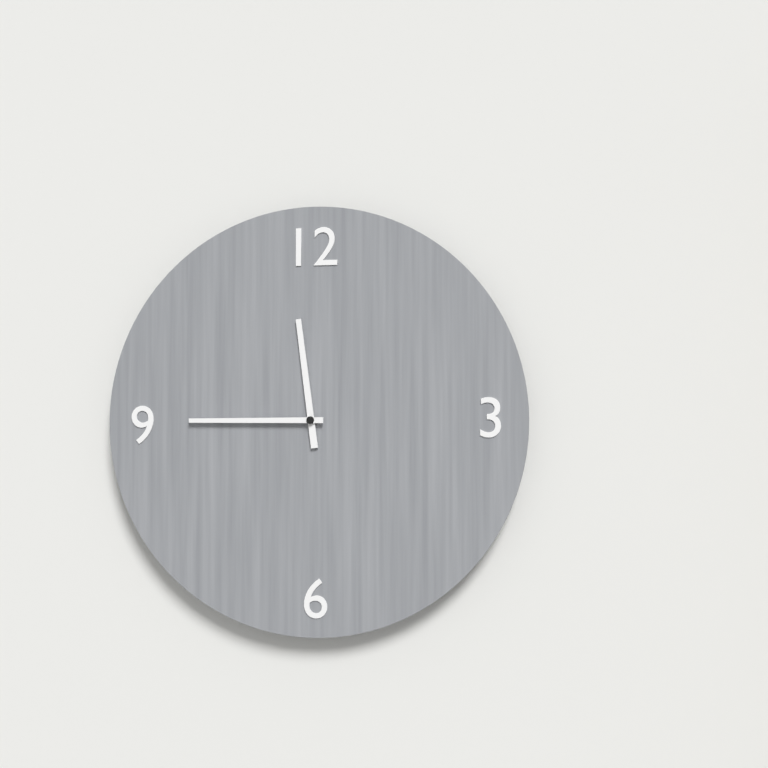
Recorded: h=11 m=45
